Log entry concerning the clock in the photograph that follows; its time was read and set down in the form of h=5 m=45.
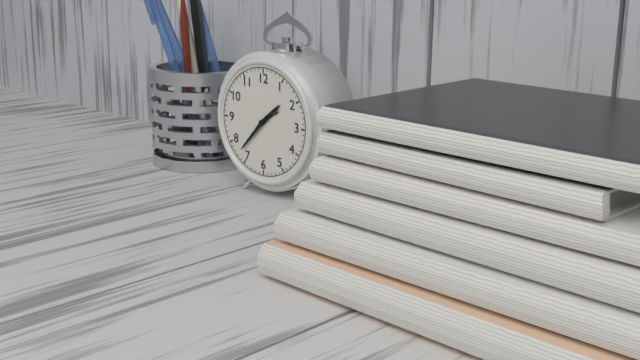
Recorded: h=1 m=37
